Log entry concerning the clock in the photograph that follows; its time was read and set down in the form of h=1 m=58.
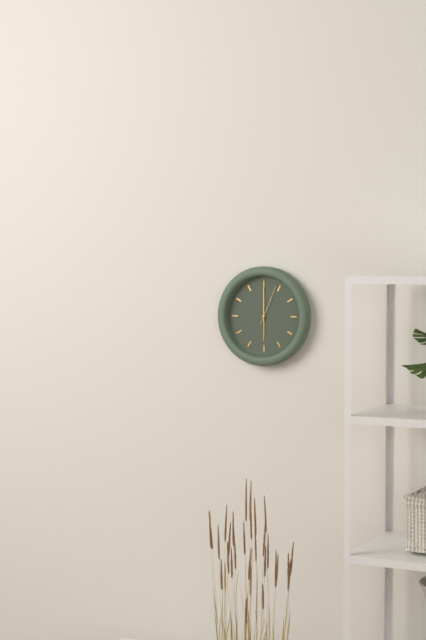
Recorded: h=6 m=0
